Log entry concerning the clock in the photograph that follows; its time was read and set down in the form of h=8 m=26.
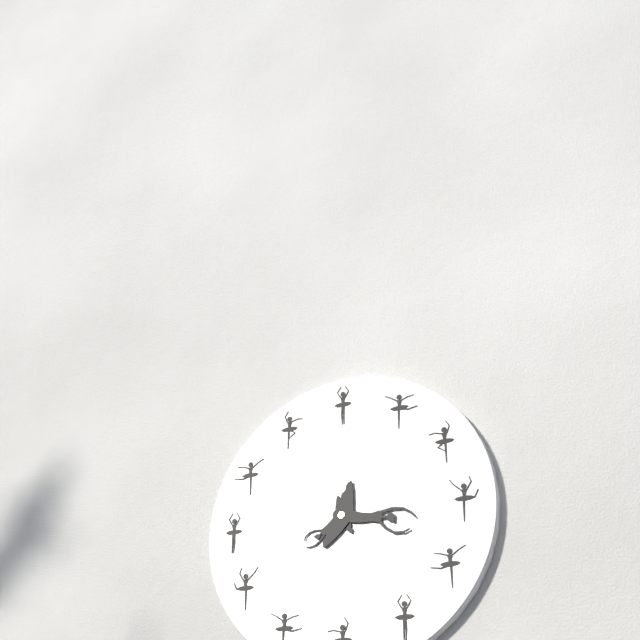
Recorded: h=8 m=19
